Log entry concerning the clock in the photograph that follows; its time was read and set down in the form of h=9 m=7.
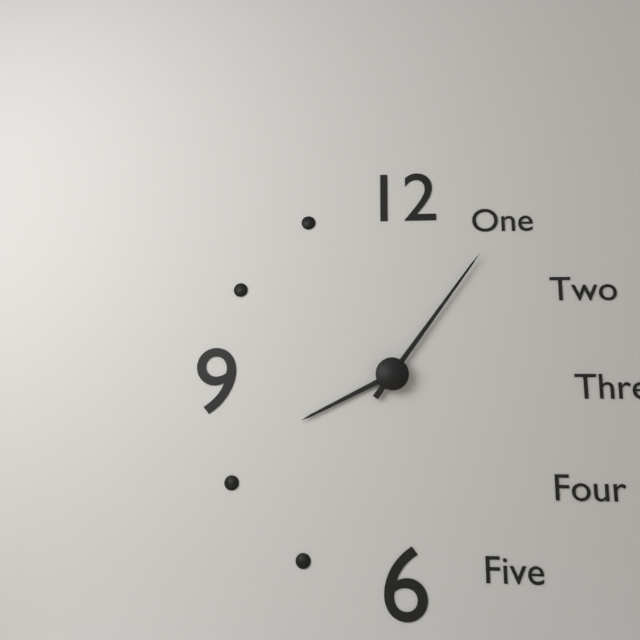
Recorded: h=8 m=6
